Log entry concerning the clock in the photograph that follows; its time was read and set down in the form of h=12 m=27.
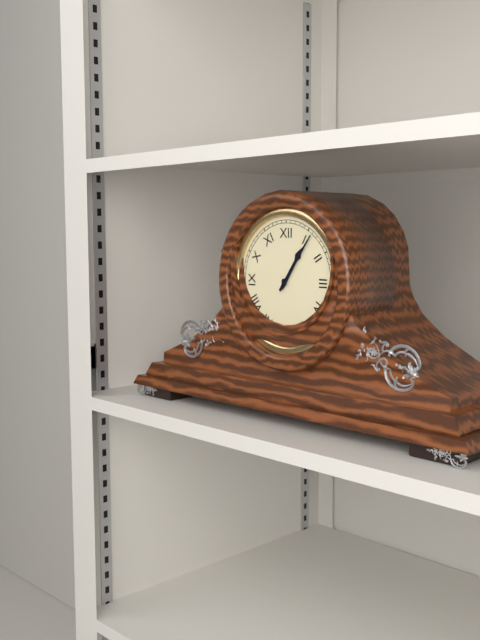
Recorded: h=1 m=6
